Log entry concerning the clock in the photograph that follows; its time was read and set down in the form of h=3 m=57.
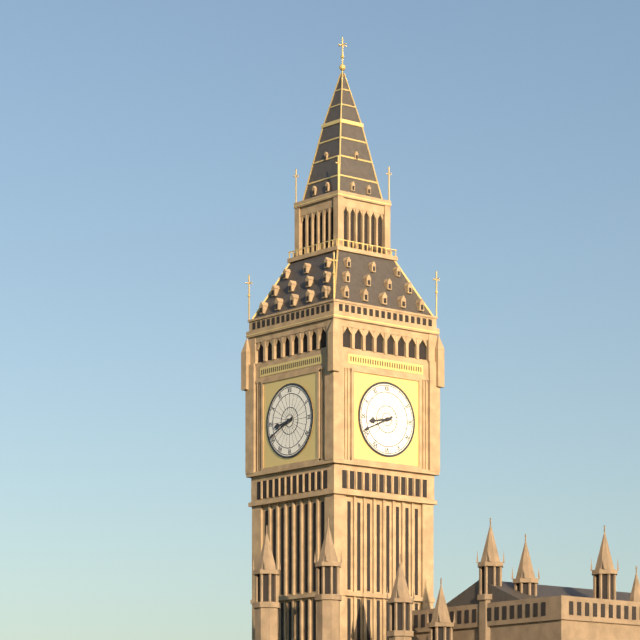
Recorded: h=8 m=41
